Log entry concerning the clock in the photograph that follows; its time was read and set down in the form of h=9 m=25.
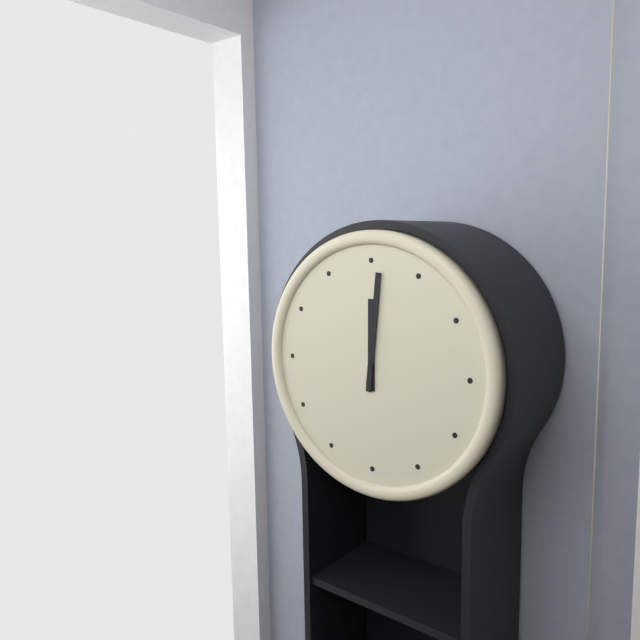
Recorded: h=12 m=1
